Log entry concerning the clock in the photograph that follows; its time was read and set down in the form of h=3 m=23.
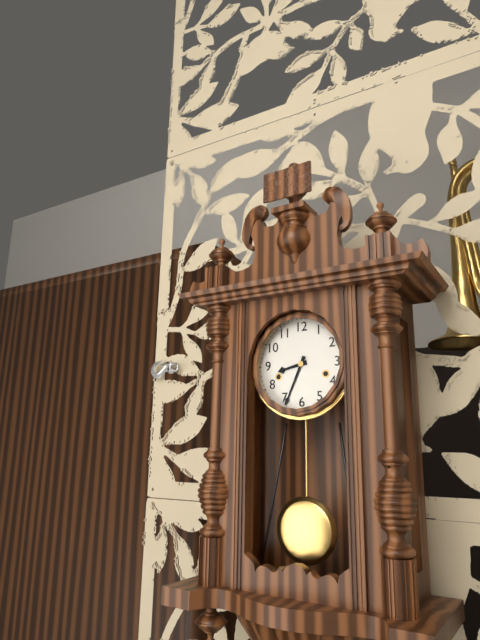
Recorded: h=8 m=34
